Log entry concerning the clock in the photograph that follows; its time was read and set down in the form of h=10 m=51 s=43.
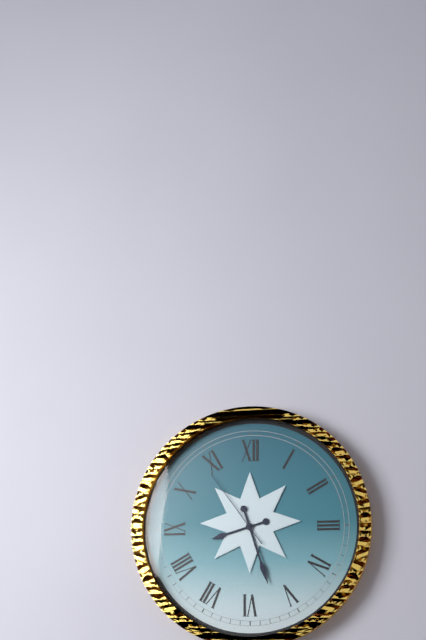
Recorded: h=8 m=27 s=54
